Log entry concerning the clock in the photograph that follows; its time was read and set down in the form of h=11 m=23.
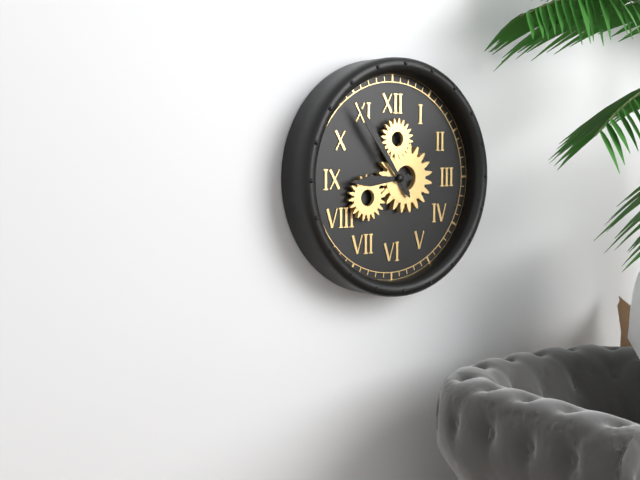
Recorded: h=8 m=54
